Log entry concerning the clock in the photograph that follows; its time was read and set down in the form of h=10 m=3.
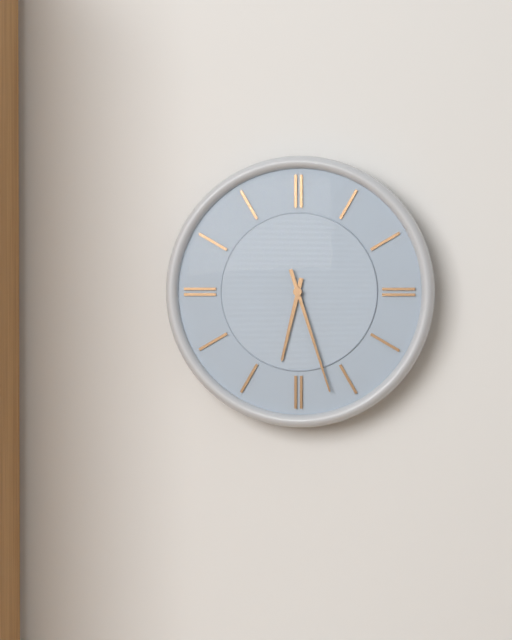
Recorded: h=6 m=27
